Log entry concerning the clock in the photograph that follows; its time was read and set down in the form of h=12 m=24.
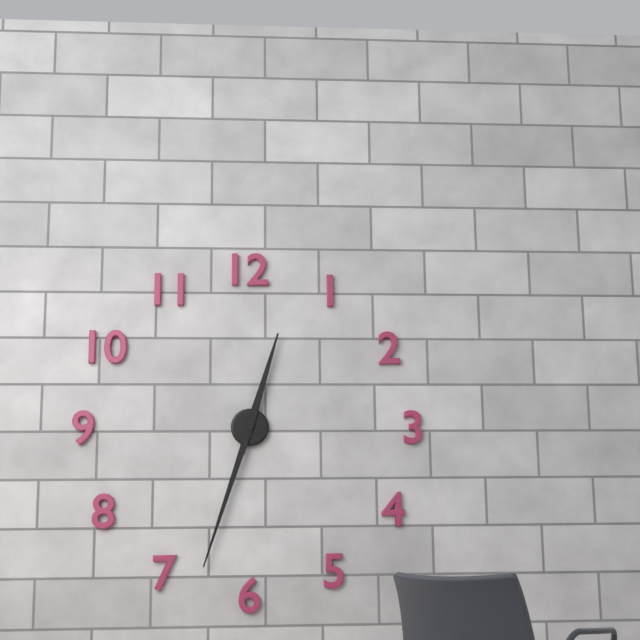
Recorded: h=12 m=33
